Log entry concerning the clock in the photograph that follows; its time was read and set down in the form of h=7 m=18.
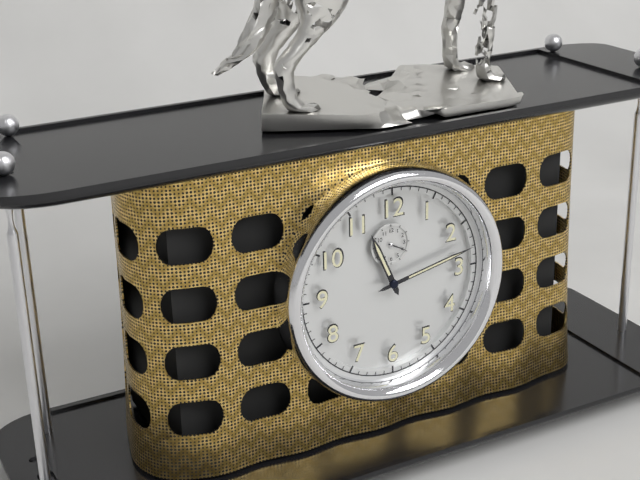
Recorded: h=11 m=13
